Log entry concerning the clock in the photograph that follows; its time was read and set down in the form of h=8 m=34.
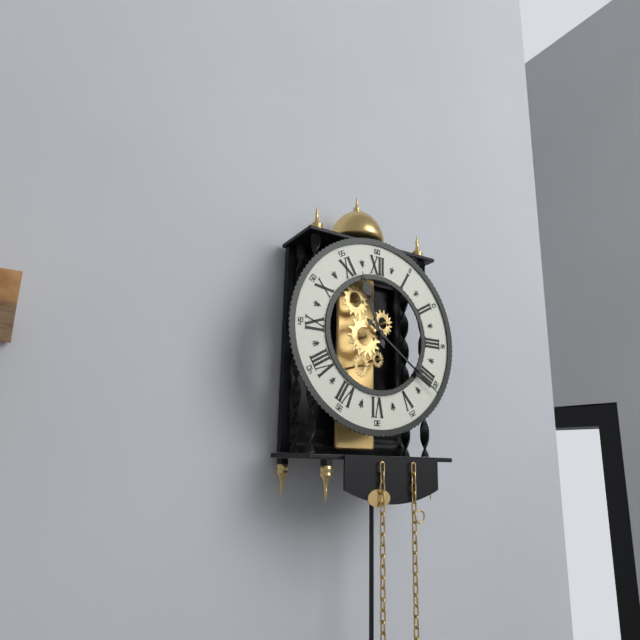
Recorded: h=11 m=21
